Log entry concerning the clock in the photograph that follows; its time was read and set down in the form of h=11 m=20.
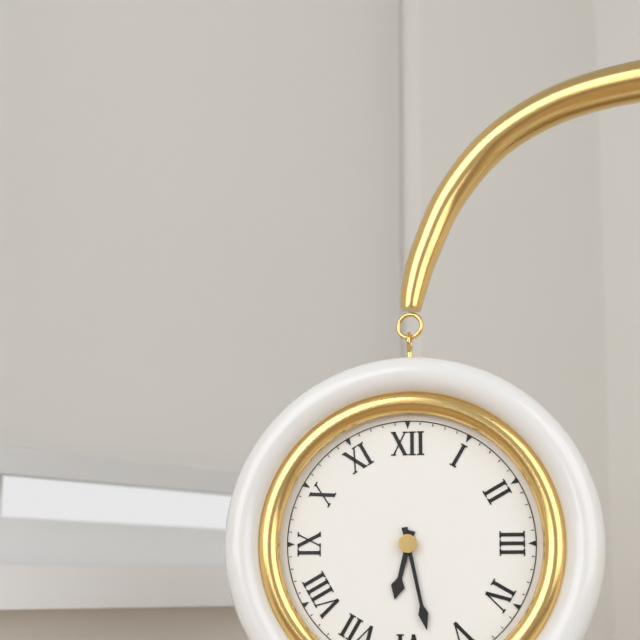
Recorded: h=6 m=28
